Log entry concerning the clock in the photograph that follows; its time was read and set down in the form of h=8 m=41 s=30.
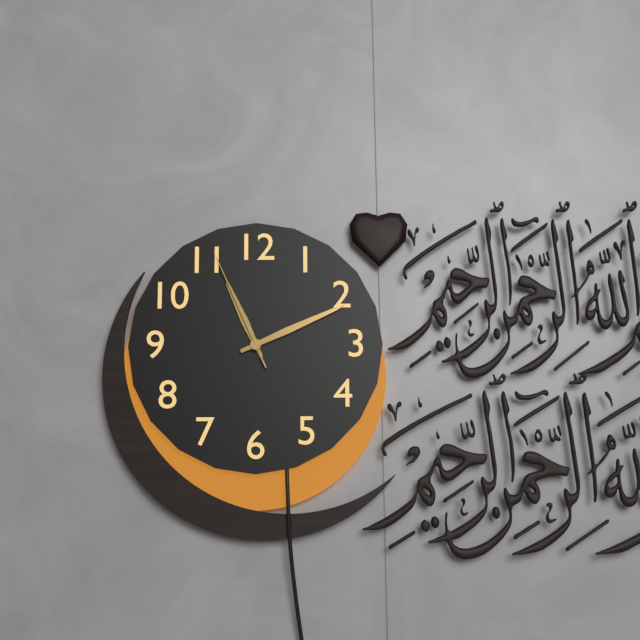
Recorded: h=11 m=11 s=56
